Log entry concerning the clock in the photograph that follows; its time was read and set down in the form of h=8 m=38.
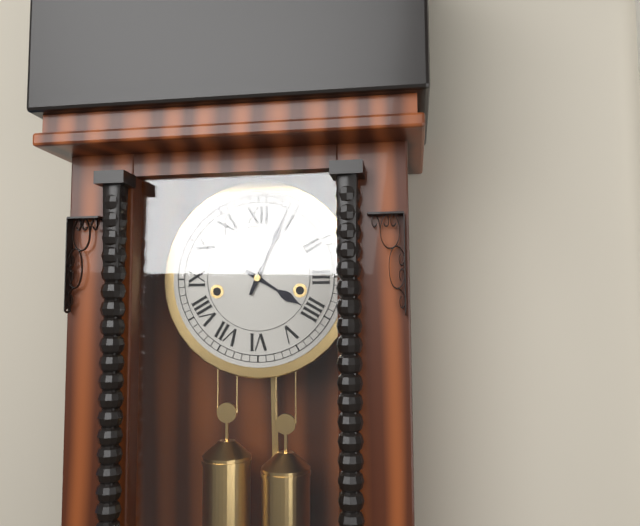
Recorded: h=4 m=4
